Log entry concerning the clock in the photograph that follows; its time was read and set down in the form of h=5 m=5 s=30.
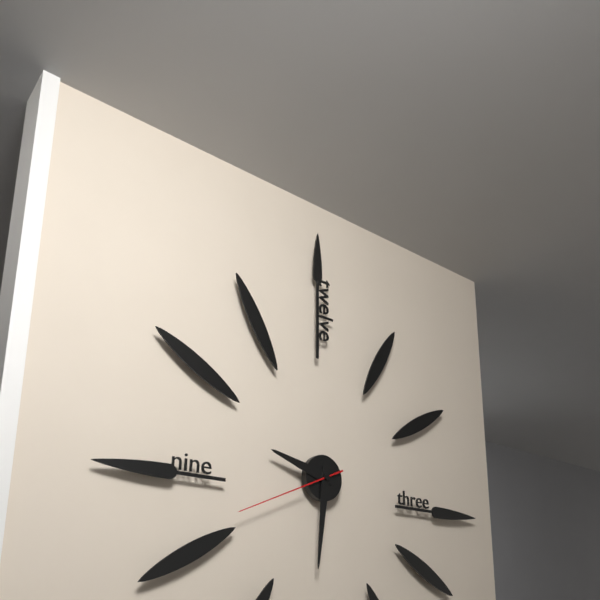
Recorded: h=9 m=31 s=41
